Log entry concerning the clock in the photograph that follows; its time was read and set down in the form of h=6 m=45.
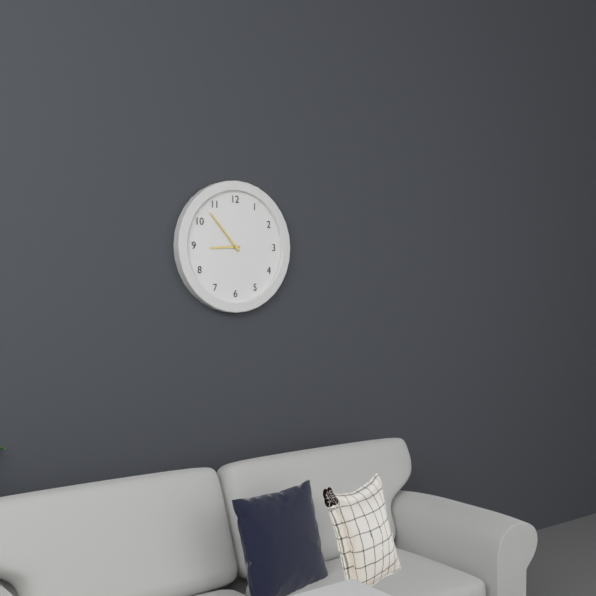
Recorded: h=8 m=53
